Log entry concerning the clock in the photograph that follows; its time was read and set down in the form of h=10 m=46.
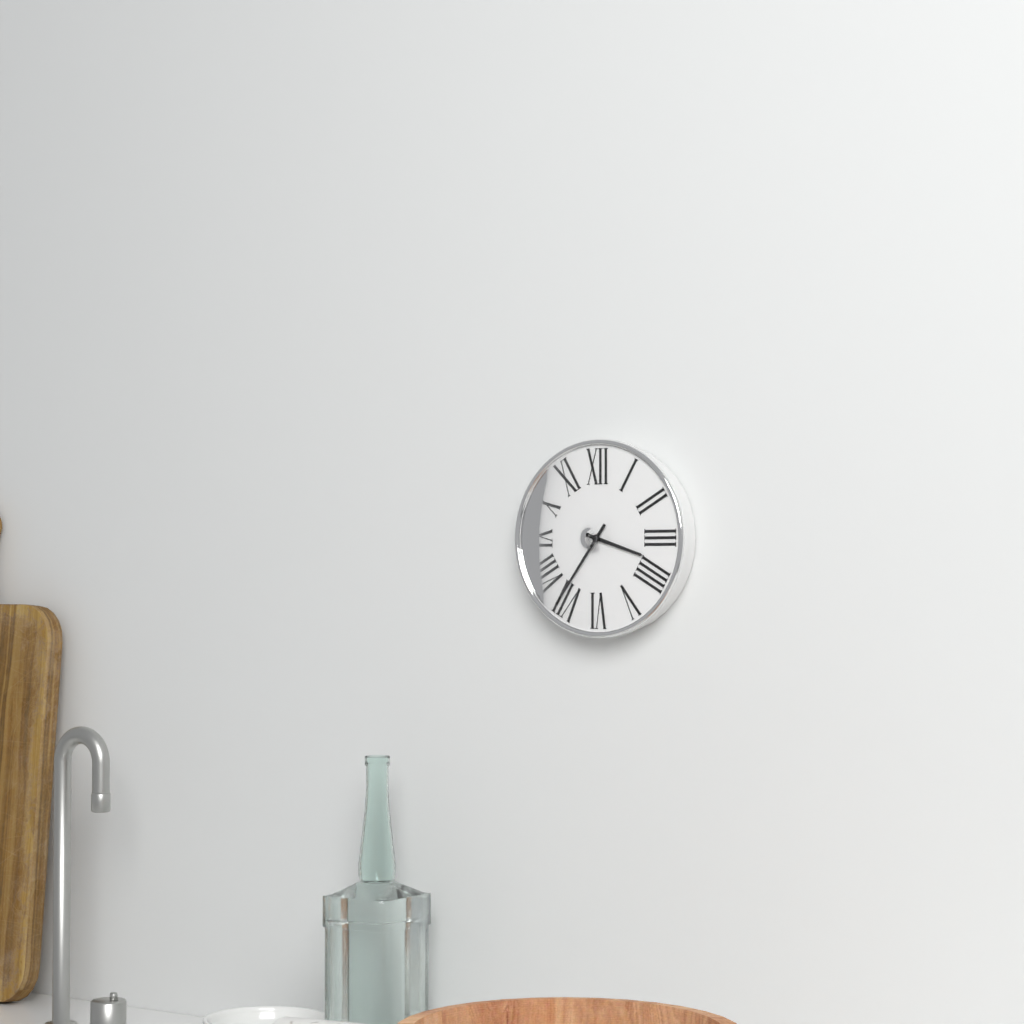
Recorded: h=3 m=36
